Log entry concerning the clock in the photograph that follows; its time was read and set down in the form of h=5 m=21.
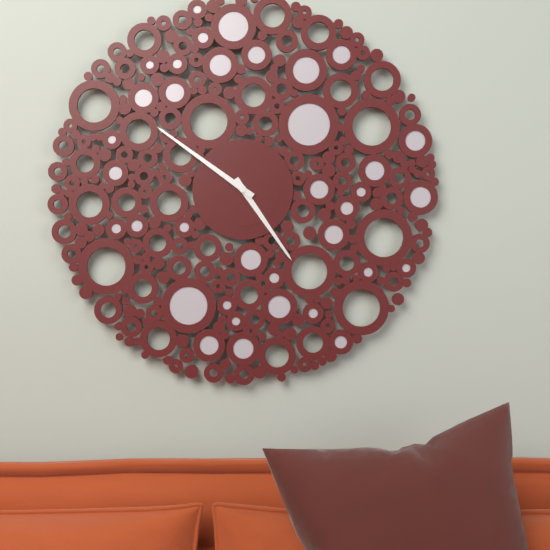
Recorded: h=4 m=51
